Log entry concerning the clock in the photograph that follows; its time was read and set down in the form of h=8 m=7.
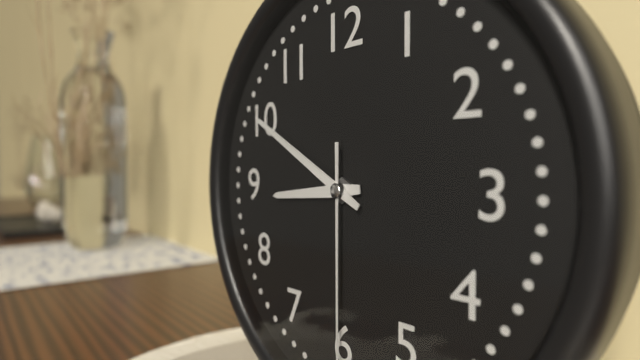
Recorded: h=8 m=50
